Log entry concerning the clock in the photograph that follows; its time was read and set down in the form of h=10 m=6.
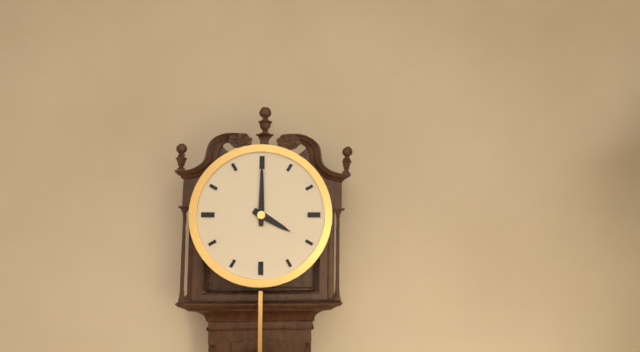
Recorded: h=4 m=0
